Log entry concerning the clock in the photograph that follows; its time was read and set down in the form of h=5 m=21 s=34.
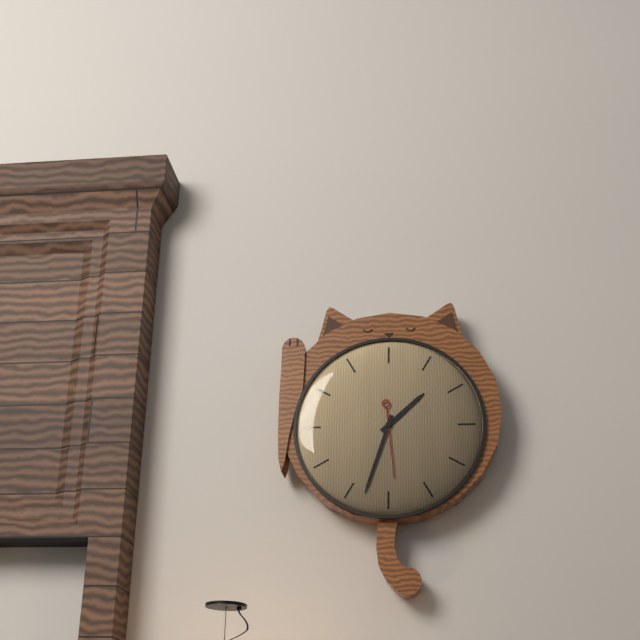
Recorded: h=1 m=33 s=29
